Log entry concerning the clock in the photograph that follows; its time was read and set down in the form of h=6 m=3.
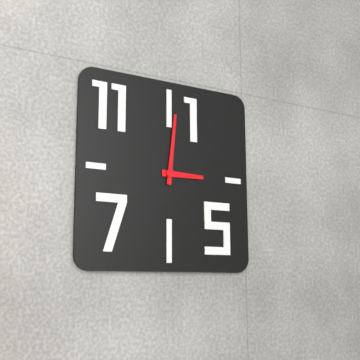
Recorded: h=3 m=1
